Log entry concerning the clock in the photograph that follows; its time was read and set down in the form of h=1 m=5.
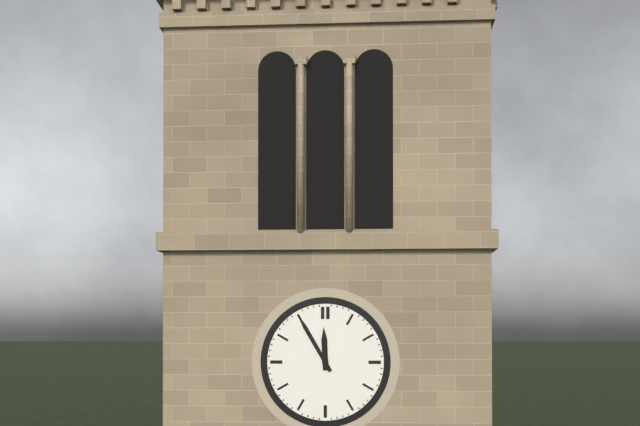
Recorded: h=11 m=55
